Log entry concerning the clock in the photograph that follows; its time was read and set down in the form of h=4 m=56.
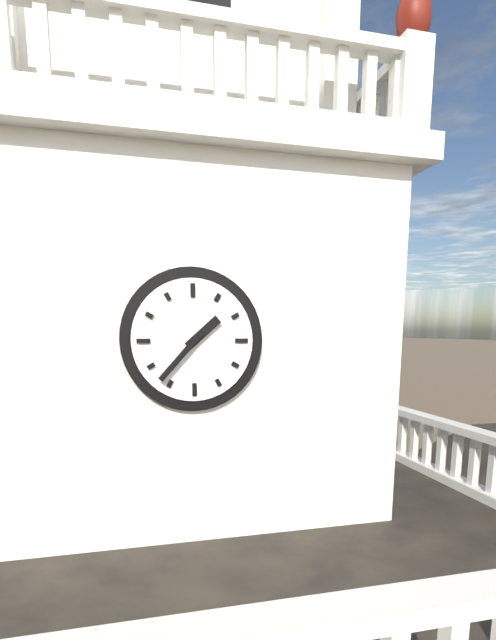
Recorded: h=1 m=37
